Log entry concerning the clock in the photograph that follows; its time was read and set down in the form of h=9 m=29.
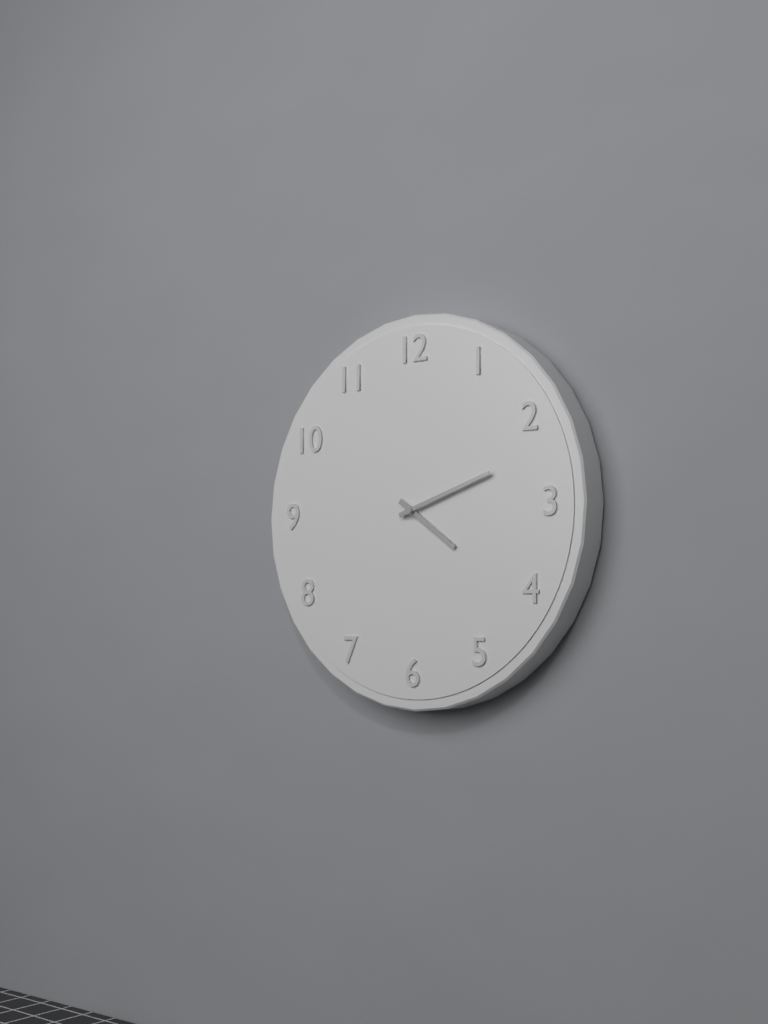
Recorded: h=4 m=12
